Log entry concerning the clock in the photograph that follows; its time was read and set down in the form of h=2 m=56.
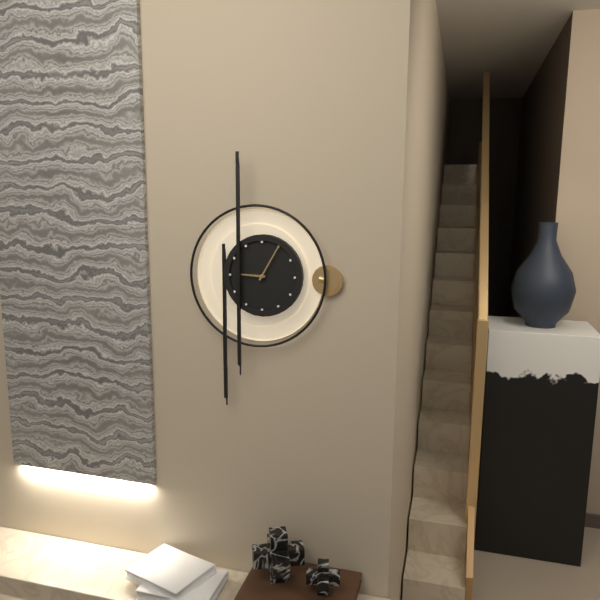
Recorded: h=9 m=5
